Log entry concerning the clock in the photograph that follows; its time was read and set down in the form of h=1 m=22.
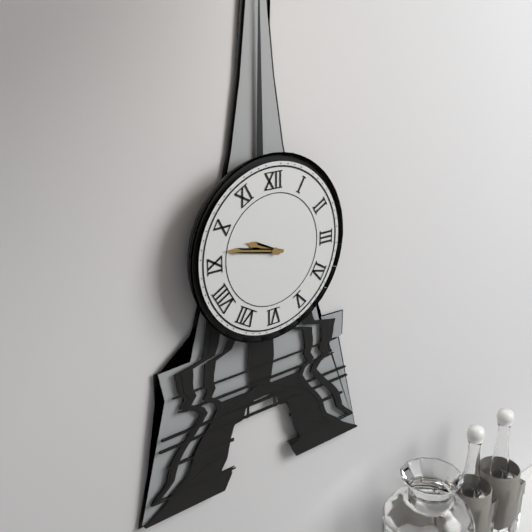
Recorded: h=9 m=47
